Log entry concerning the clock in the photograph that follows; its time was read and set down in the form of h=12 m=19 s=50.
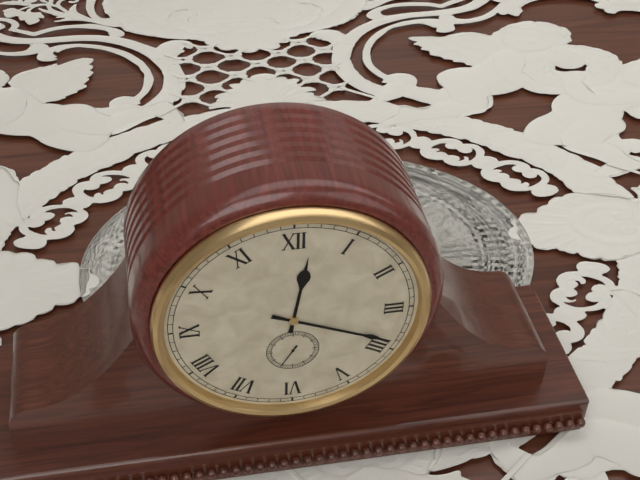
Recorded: h=12 m=19 s=35
